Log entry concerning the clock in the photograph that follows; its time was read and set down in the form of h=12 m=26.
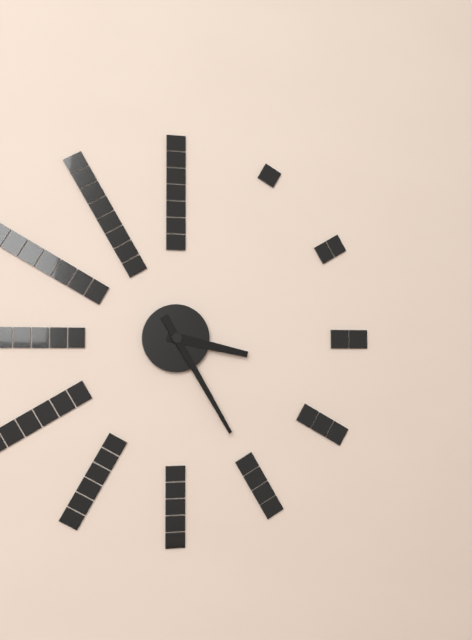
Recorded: h=3 m=25
